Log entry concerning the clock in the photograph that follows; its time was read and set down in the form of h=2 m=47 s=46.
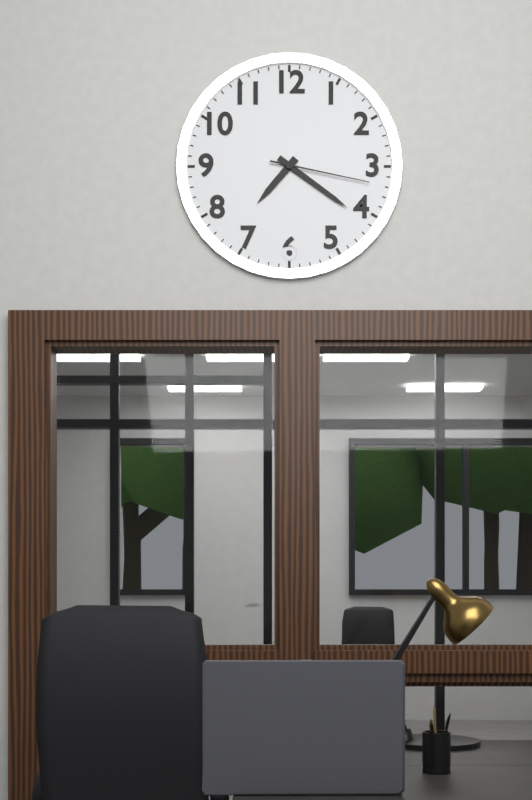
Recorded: h=7 m=21 s=17
